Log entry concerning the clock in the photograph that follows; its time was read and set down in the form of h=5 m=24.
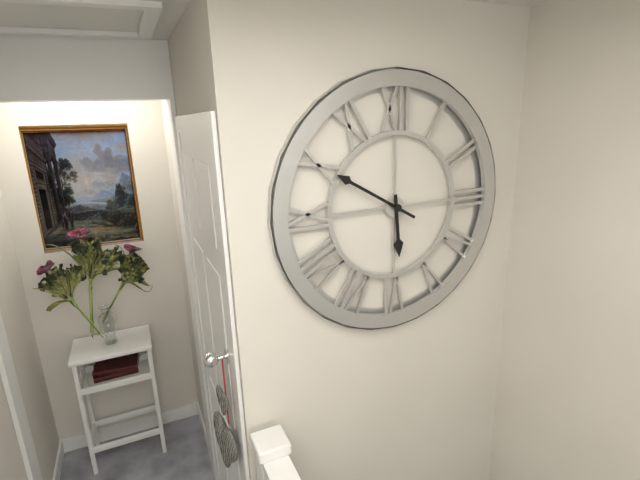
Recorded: h=5 m=50
